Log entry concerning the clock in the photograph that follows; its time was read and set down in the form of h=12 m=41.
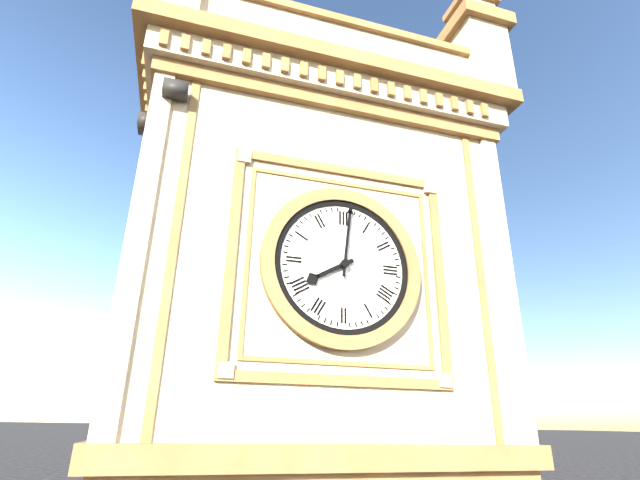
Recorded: h=8 m=1
